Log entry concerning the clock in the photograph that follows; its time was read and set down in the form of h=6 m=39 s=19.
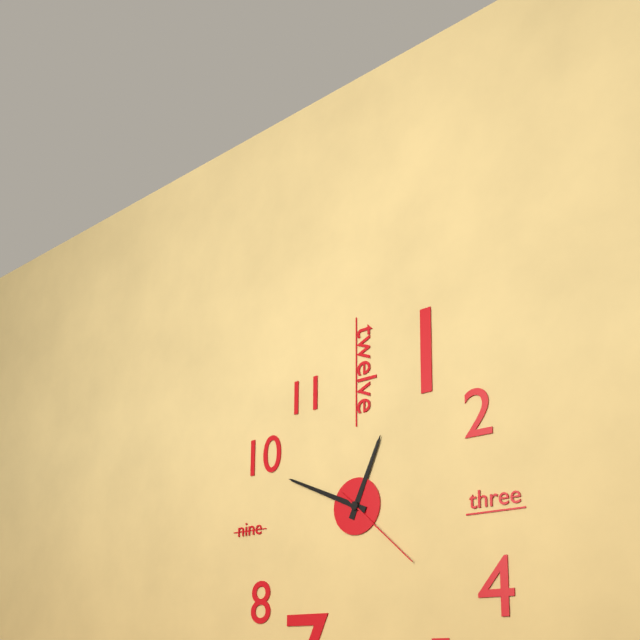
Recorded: h=12 m=49 s=22
